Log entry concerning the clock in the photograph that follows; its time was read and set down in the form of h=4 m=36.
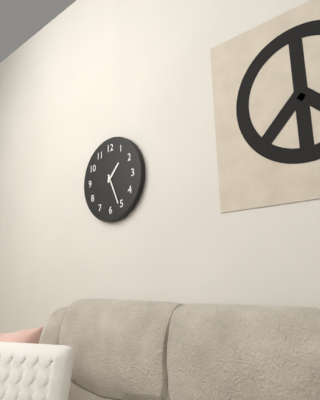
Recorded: h=1 m=26
